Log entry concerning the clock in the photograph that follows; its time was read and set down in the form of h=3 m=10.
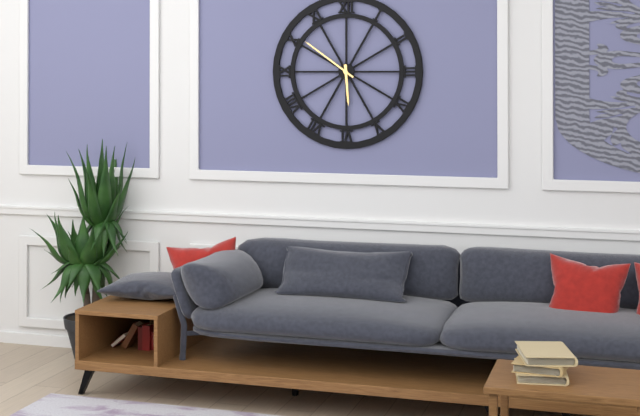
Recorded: h=5 m=51
